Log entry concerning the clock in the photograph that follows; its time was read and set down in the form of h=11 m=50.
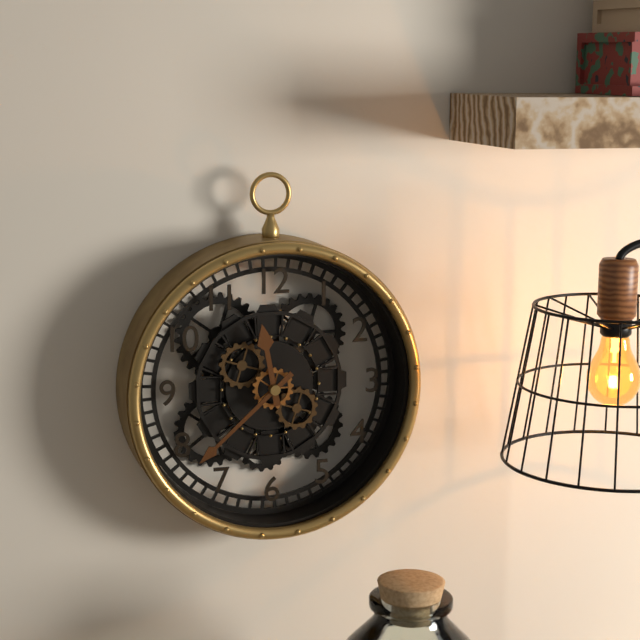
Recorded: h=11 m=38
